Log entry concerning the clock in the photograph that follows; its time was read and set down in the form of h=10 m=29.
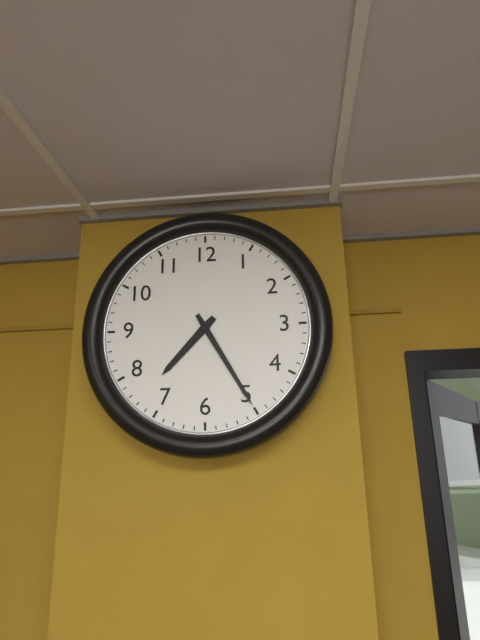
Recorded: h=7 m=25
